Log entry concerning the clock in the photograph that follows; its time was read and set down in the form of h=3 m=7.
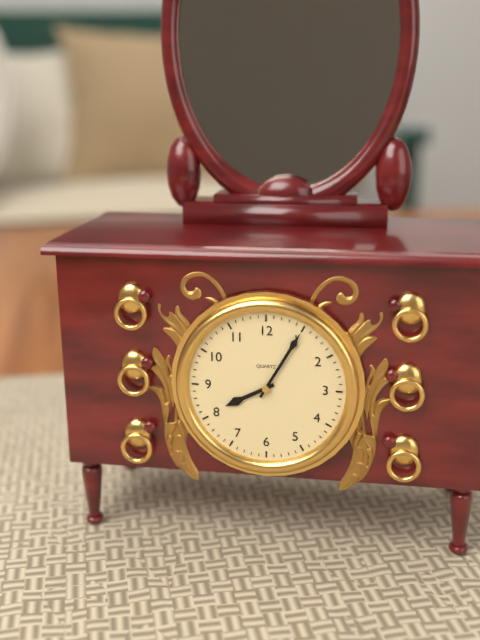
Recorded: h=8 m=5
